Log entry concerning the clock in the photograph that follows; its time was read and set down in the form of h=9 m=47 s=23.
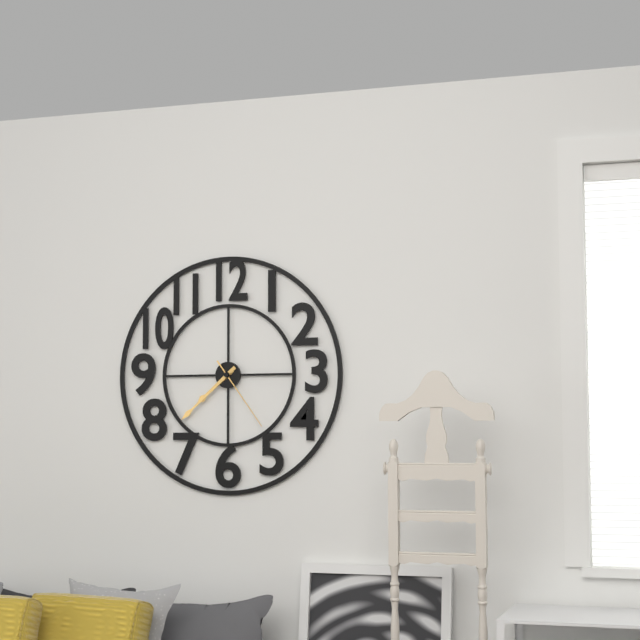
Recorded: h=7 m=38 s=24
